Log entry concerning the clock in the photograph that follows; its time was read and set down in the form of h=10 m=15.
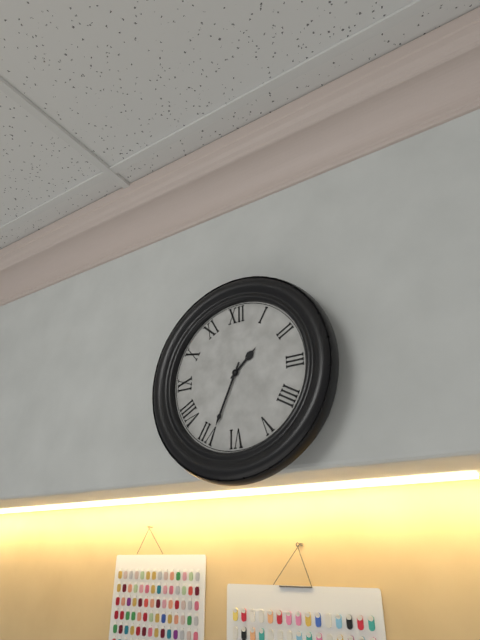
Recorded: h=1 m=34
